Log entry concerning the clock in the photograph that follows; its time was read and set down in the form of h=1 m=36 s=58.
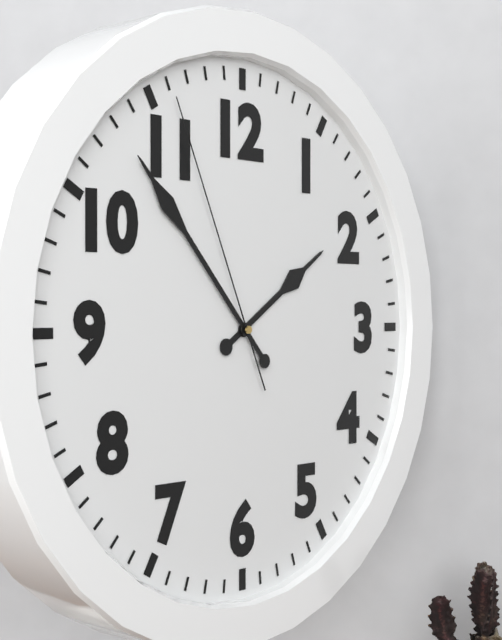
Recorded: h=1 m=53 s=56
